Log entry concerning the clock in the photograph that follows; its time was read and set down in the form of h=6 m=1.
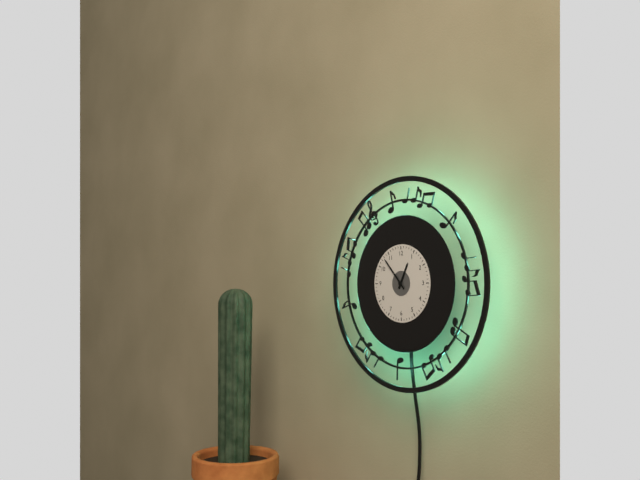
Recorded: h=12 m=53
